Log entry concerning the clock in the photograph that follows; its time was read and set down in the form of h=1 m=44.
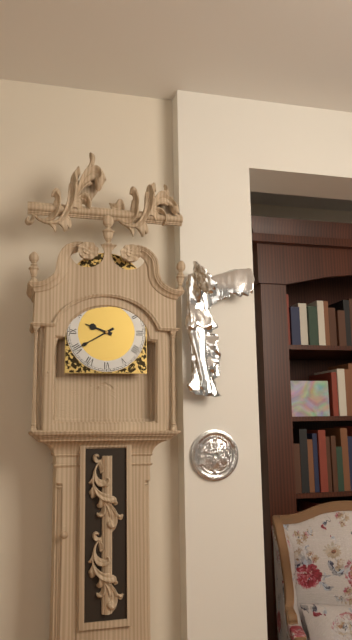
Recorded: h=9 m=40
